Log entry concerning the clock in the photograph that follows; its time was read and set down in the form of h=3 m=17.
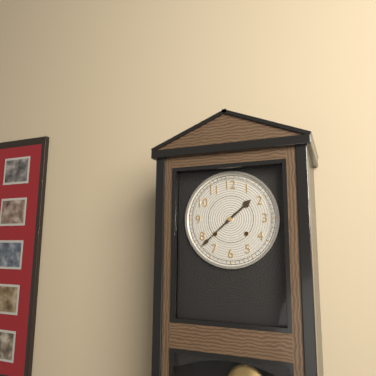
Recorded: h=1 m=38
